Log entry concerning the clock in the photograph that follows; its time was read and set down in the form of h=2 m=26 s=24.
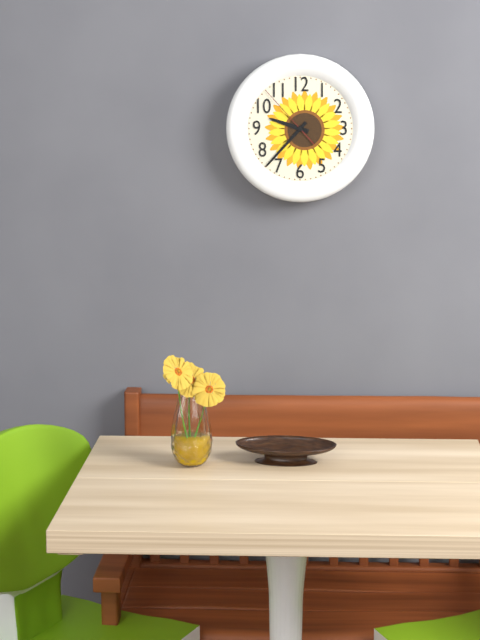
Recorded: h=9 m=37 s=53
